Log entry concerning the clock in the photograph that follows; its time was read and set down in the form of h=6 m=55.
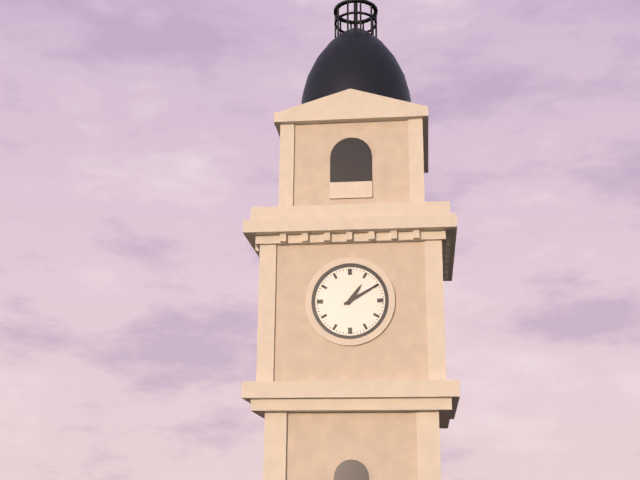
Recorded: h=1 m=10
